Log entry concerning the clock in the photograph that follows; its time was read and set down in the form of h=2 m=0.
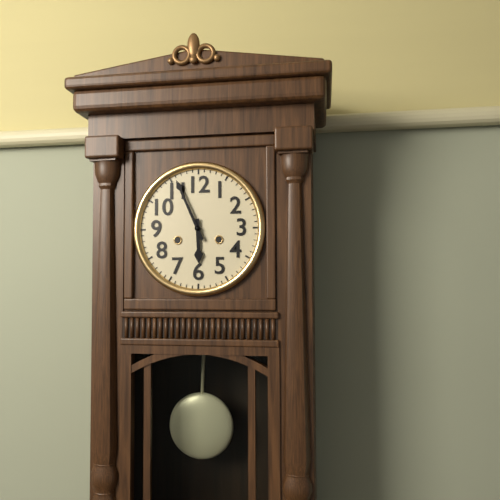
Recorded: h=5 m=56
